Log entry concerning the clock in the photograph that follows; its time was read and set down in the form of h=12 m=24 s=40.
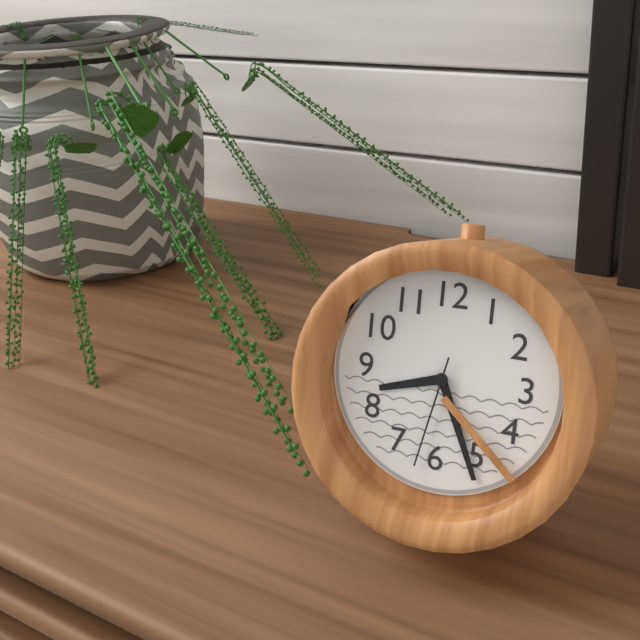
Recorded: h=8 m=26 s=32
